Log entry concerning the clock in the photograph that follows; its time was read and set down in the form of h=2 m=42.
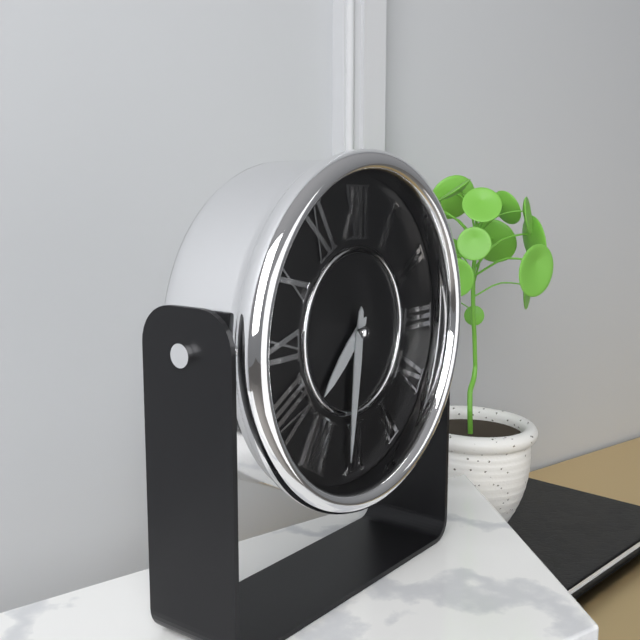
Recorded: h=7 m=31
